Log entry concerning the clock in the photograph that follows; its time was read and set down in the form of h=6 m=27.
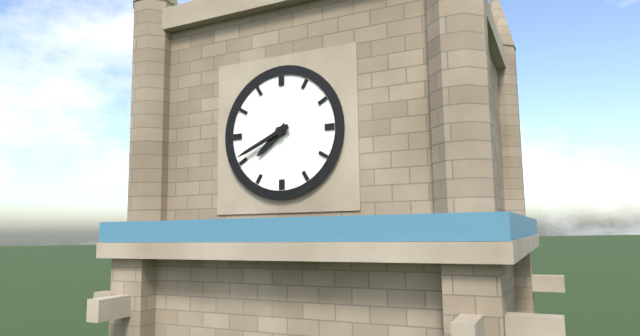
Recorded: h=7 m=41
